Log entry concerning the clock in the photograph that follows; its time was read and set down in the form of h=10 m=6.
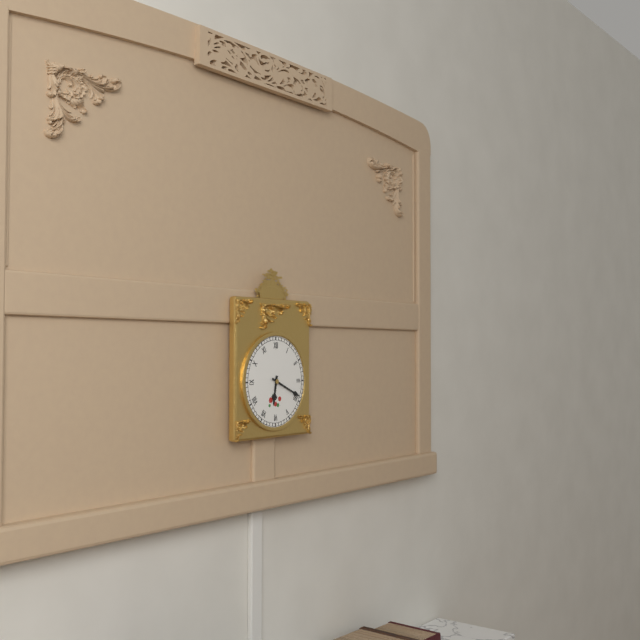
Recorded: h=6 m=19
